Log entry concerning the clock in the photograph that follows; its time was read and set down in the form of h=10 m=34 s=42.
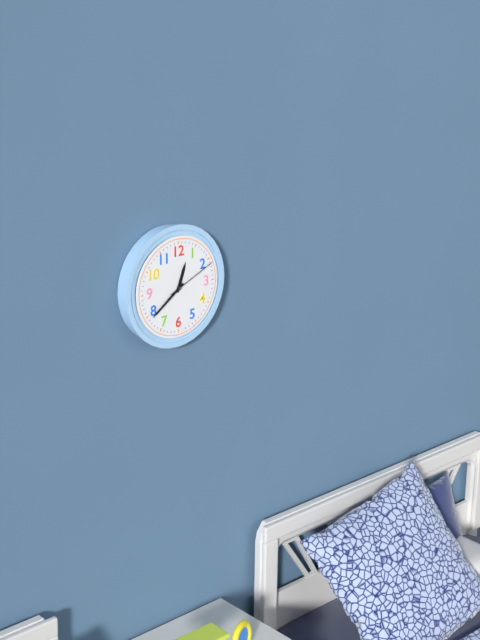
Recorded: h=12 m=39 s=11
